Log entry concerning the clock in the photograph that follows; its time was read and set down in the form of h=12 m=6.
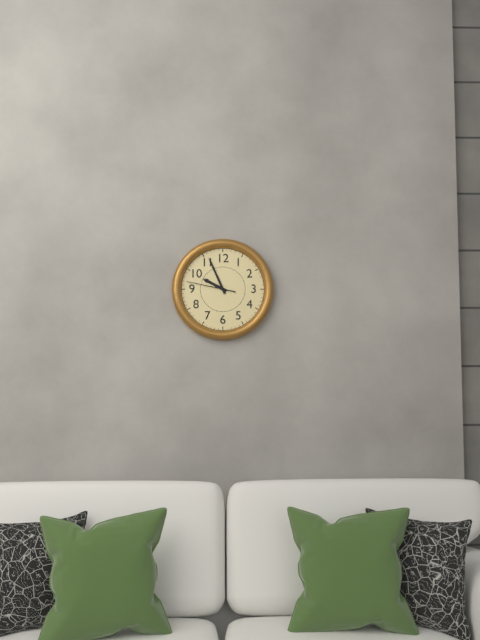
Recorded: h=9 m=56
